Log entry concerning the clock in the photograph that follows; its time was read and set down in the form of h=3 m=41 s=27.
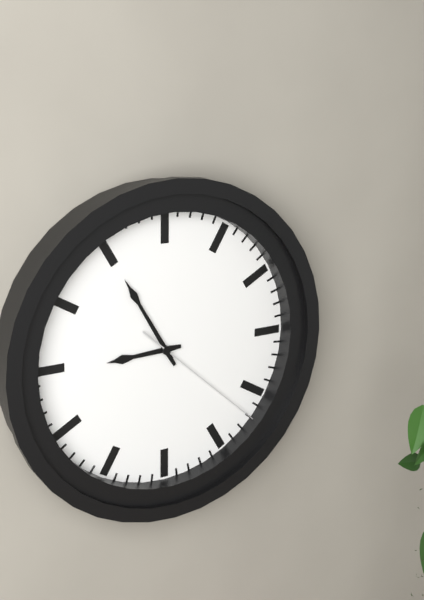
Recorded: h=8 m=55 s=22
